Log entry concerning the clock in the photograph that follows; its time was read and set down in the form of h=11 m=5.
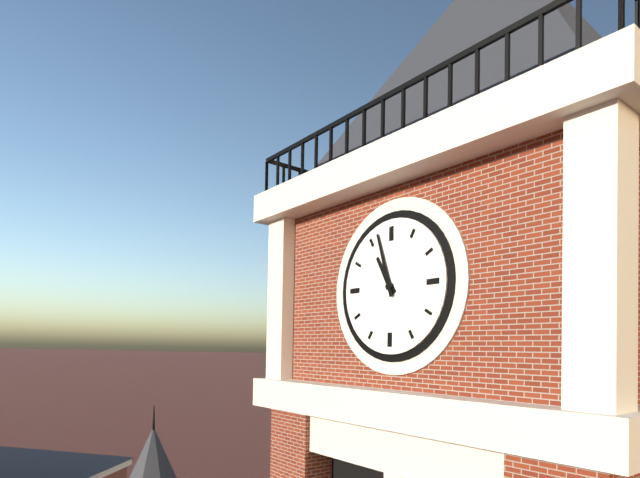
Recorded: h=10 m=57
